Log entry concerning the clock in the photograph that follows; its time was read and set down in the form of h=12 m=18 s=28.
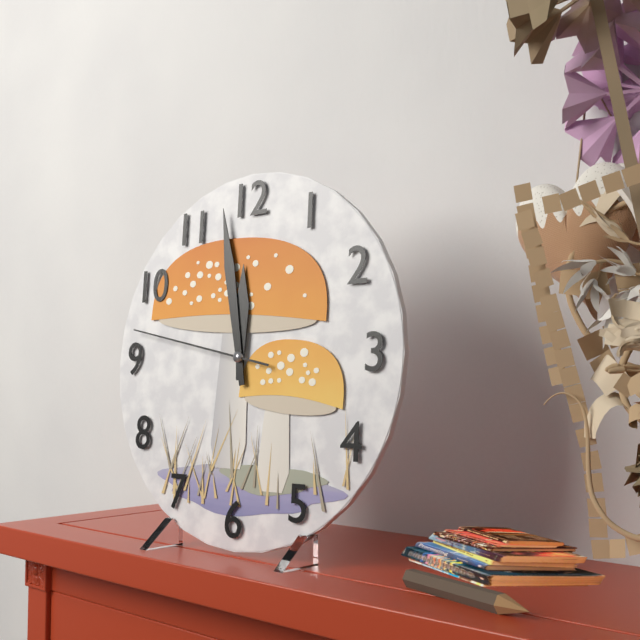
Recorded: h=11 m=58 s=47
